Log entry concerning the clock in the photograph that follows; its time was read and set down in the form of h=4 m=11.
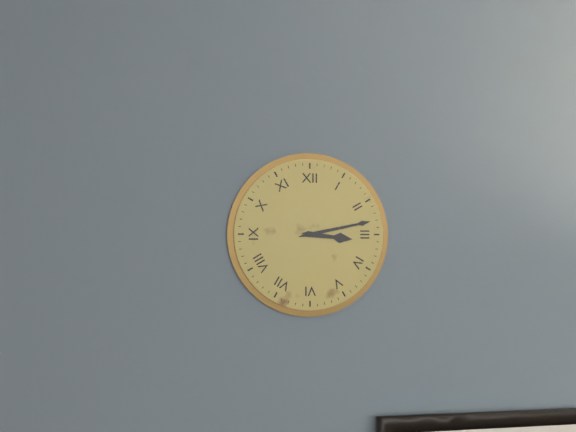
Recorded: h=3 m=13
